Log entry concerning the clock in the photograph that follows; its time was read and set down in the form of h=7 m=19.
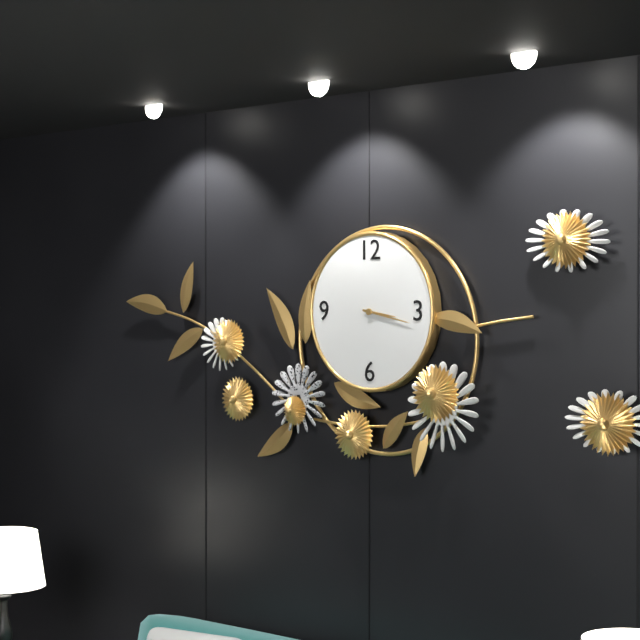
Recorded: h=3 m=17
